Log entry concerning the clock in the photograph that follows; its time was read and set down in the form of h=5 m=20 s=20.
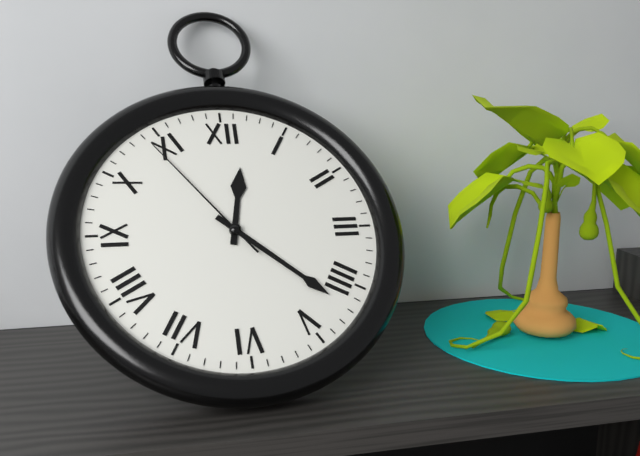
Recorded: h=12 m=22 s=54
